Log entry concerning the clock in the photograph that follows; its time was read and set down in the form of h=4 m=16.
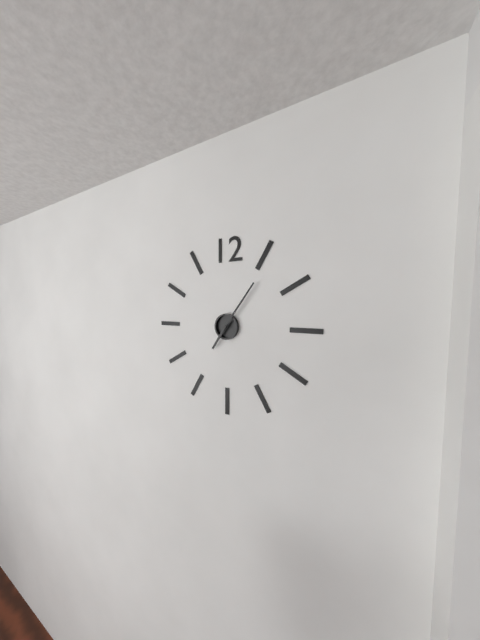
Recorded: h=7 m=6
